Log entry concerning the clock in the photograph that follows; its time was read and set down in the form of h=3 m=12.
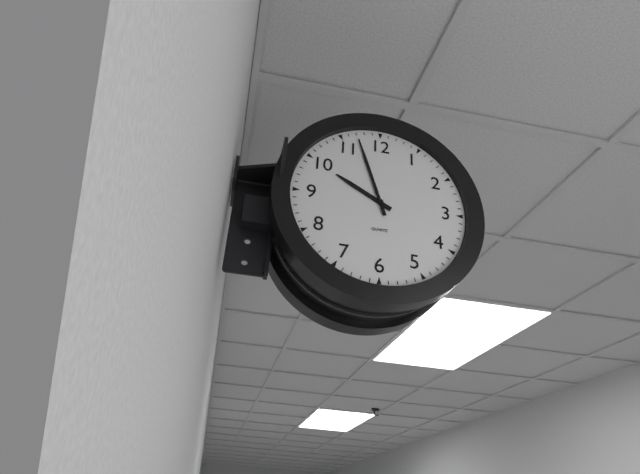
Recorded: h=9 m=57
